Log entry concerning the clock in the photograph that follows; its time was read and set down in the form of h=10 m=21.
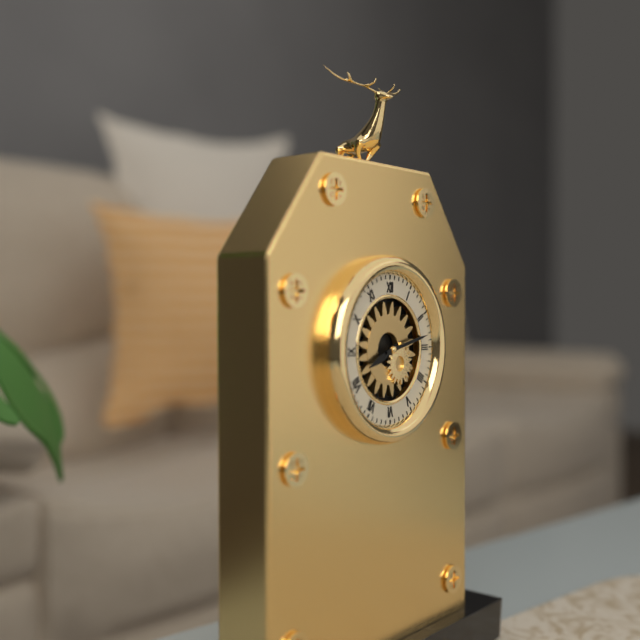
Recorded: h=8 m=13
